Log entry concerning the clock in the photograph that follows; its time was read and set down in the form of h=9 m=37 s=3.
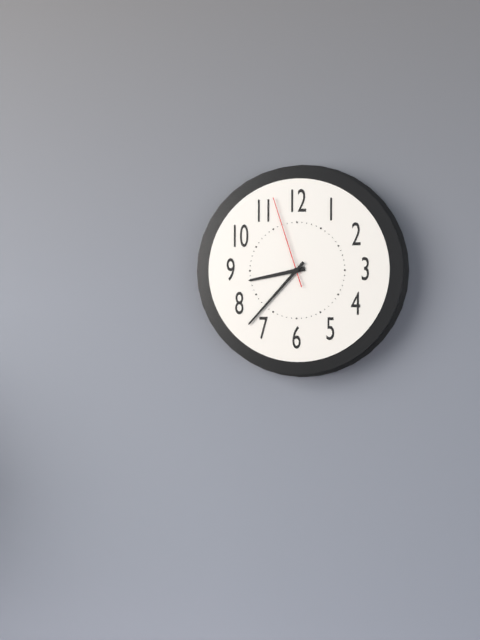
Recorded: h=8 m=37 s=57
